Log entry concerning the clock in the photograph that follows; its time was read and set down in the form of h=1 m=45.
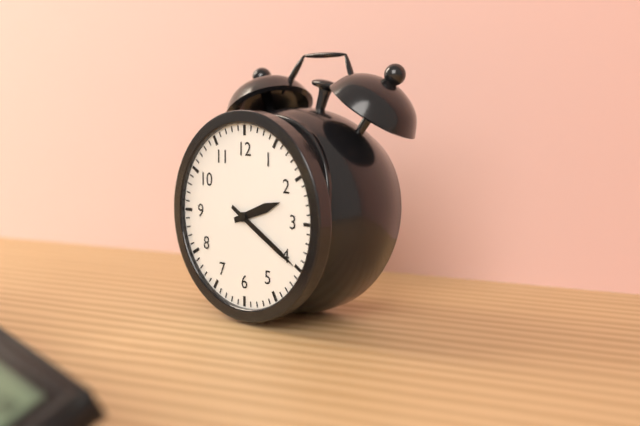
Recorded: h=2 m=20
